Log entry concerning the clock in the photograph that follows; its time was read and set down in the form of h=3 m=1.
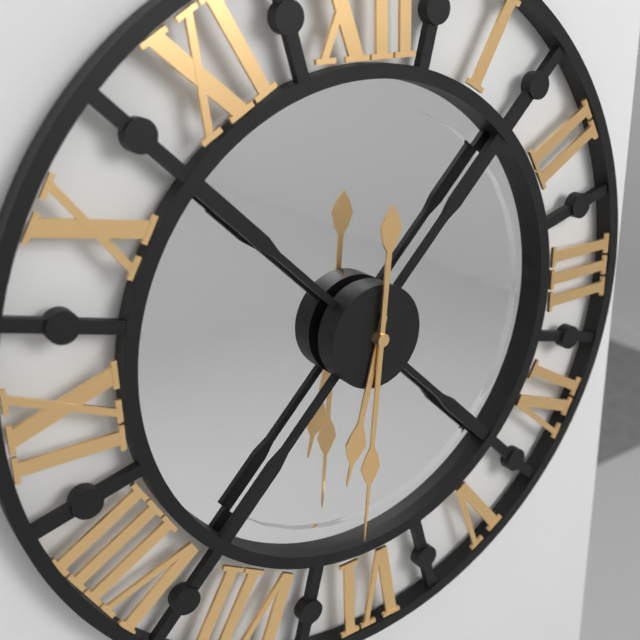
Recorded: h=6 m=31
